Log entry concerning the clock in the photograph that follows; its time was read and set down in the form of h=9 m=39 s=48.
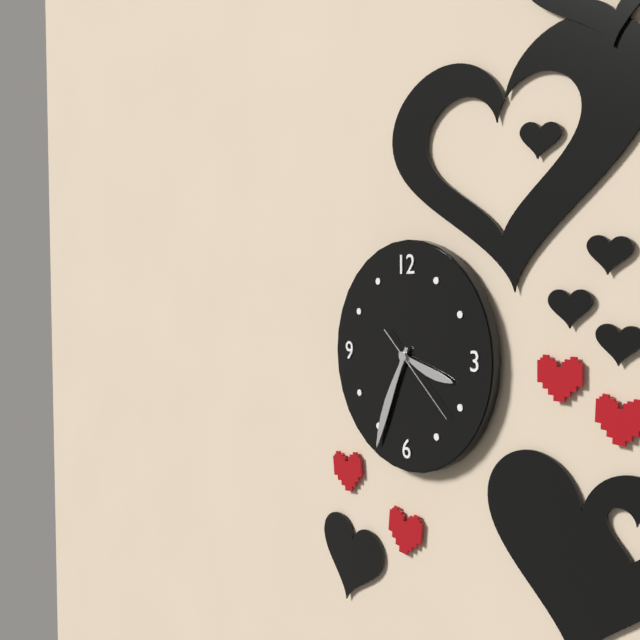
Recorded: h=3 m=34 s=22
